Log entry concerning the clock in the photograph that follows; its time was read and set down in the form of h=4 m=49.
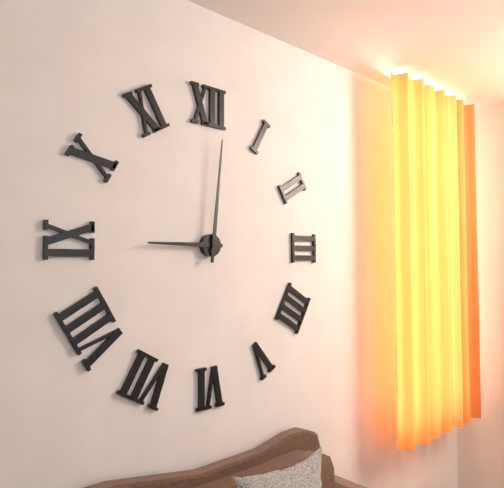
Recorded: h=9 m=1
